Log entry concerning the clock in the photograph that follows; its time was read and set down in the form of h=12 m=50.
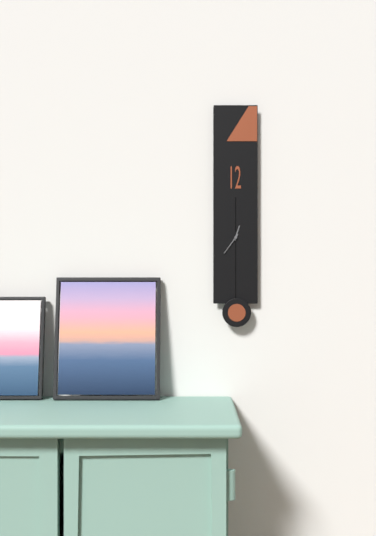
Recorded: h=12 m=36
